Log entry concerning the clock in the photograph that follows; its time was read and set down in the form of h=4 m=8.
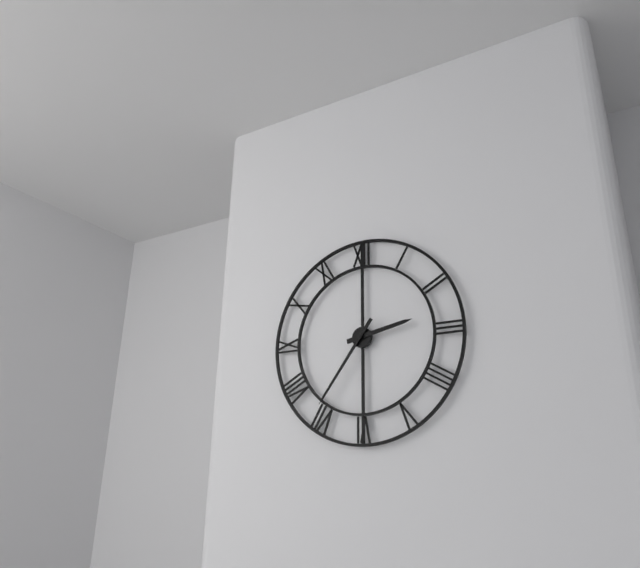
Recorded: h=2 m=36
